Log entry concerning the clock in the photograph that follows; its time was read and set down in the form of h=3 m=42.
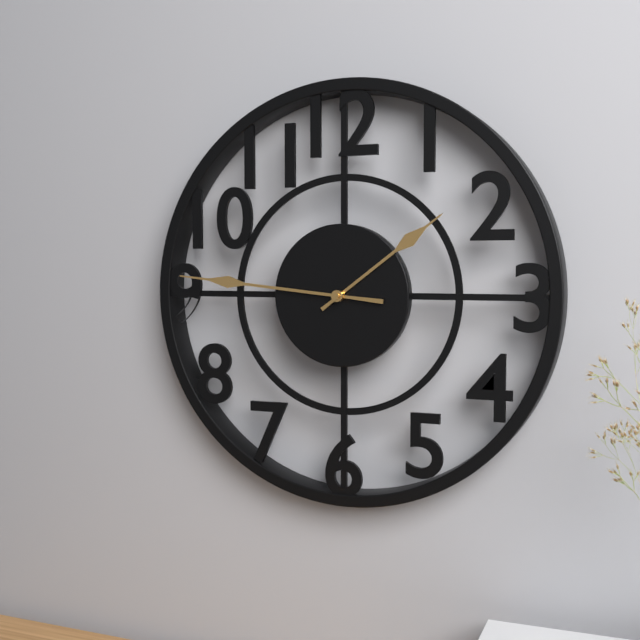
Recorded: h=1 m=46
